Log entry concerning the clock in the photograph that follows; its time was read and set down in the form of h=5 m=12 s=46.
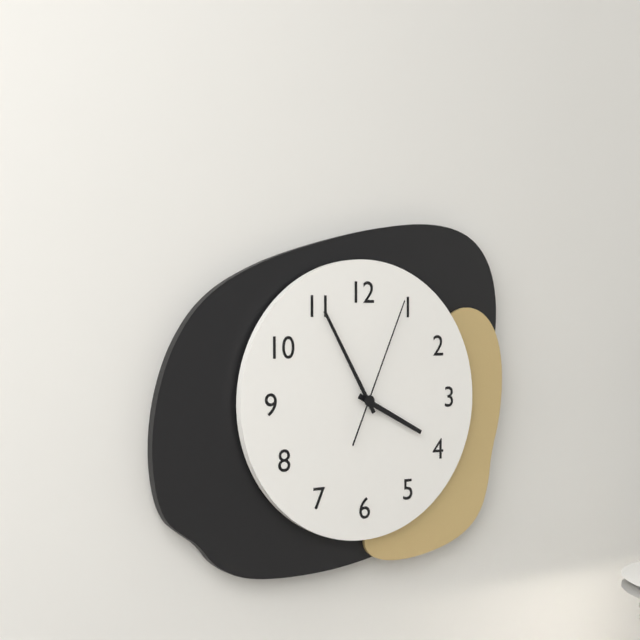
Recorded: h=3 m=55 s=4
